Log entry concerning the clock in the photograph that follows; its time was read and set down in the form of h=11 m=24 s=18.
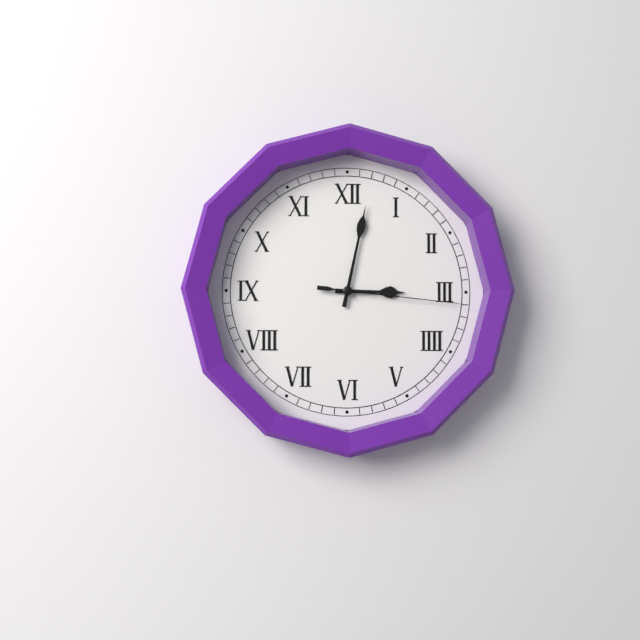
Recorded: h=3 m=2 s=16
